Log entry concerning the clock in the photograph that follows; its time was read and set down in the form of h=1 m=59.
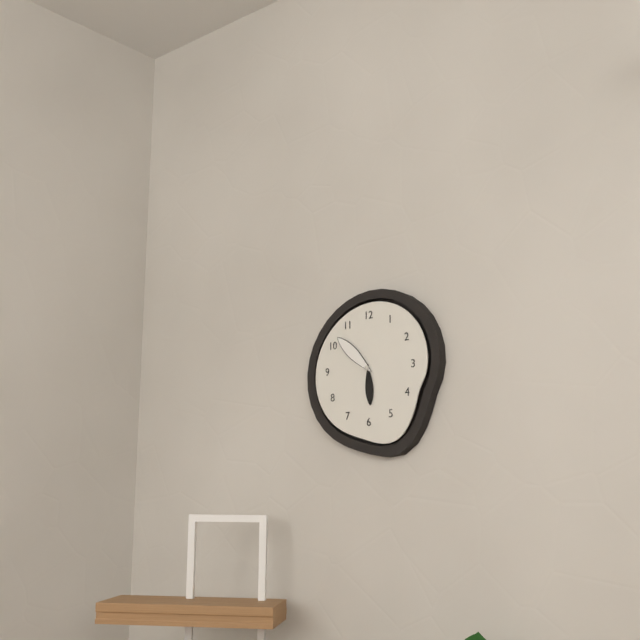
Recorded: h=5 m=52
